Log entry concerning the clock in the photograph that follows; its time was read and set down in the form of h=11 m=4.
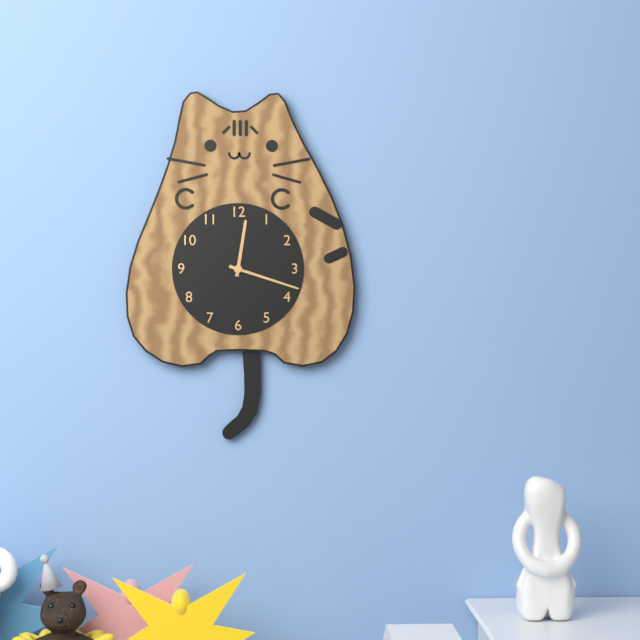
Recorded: h=12 m=18
